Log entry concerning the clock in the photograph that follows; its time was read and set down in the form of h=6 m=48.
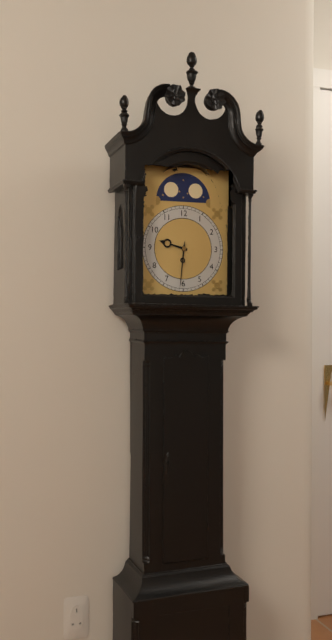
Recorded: h=9 m=31
